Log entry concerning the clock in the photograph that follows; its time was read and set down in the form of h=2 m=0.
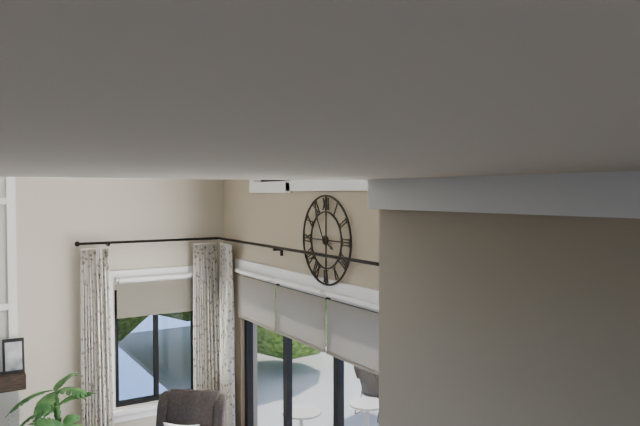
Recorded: h=3 m=55
